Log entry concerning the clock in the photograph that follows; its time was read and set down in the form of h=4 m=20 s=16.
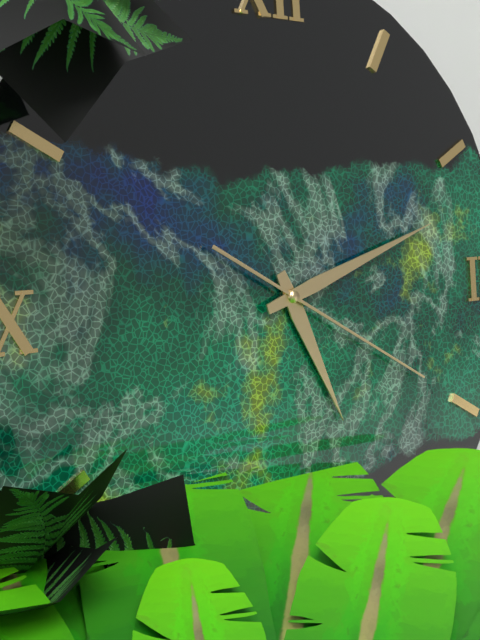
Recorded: h=5 m=12 s=20
